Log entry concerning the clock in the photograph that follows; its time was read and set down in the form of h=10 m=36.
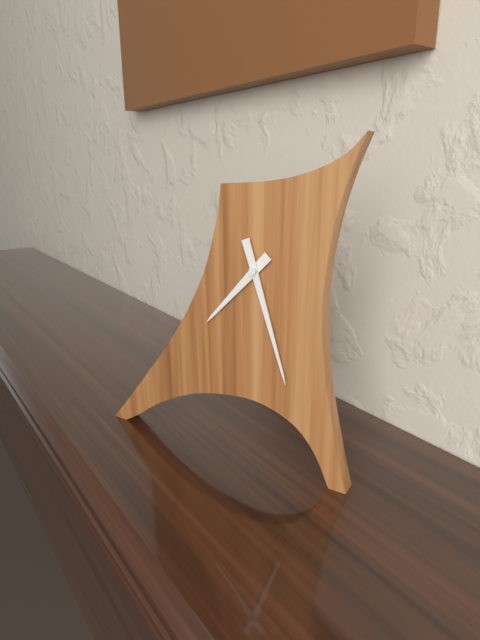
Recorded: h=7 m=27
